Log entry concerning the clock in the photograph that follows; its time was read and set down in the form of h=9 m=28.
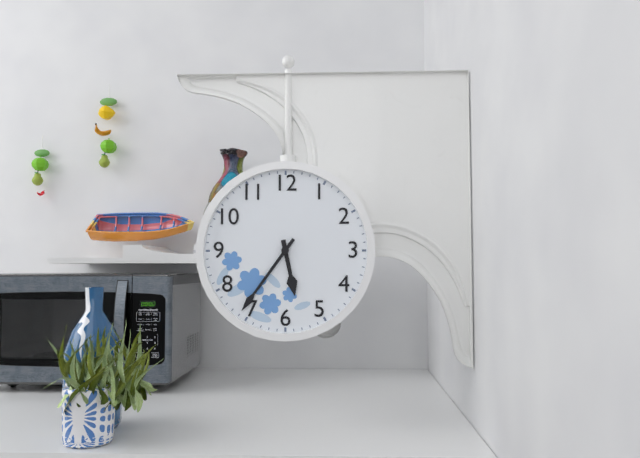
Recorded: h=5 m=36
